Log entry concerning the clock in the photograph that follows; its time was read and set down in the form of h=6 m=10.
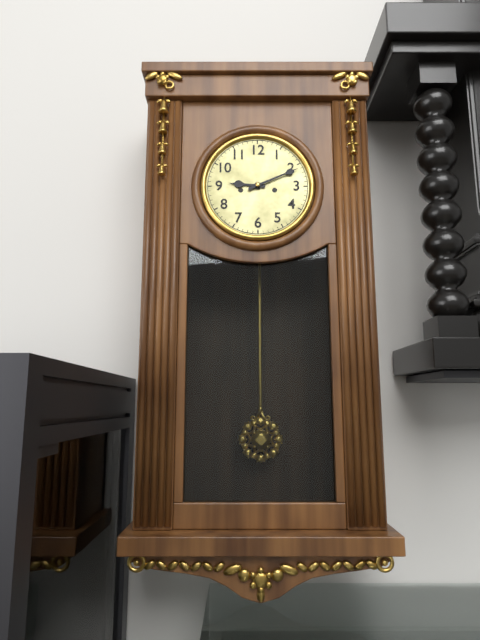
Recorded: h=9 m=11
